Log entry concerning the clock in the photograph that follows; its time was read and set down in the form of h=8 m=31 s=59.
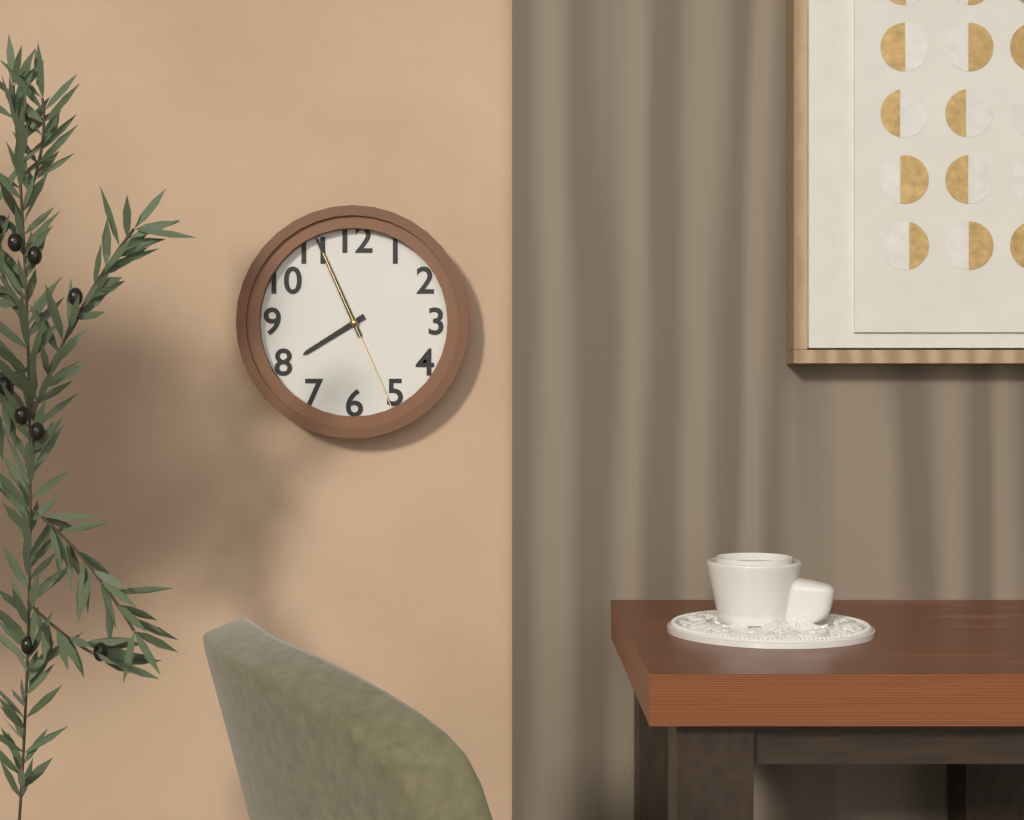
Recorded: h=7 m=56 s=26
